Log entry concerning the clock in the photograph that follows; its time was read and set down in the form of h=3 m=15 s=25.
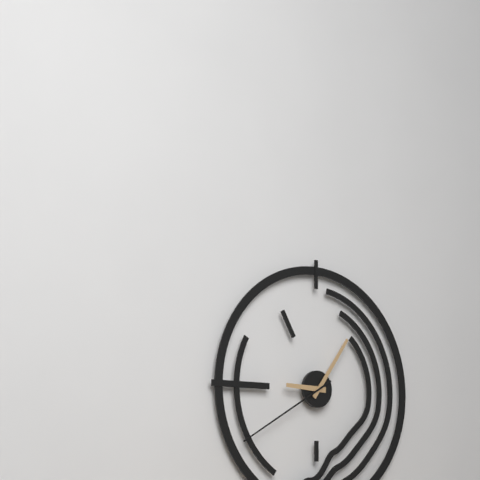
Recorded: h=9 m=6 s=40
